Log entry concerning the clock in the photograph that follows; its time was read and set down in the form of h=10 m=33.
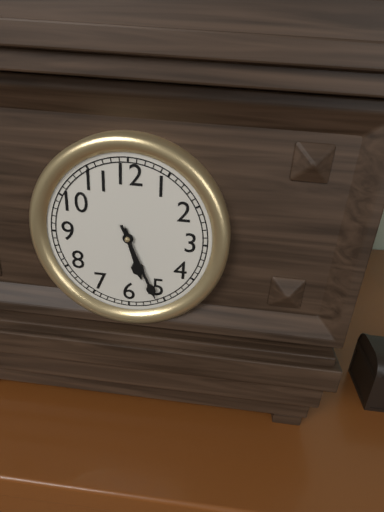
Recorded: h=5 m=26
